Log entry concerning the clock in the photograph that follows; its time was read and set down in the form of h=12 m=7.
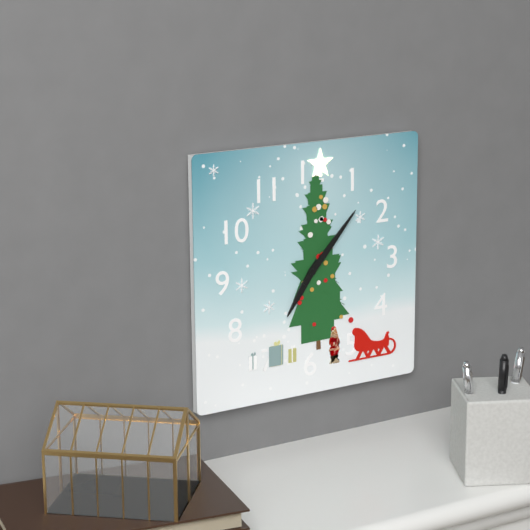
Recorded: h=7 m=7
